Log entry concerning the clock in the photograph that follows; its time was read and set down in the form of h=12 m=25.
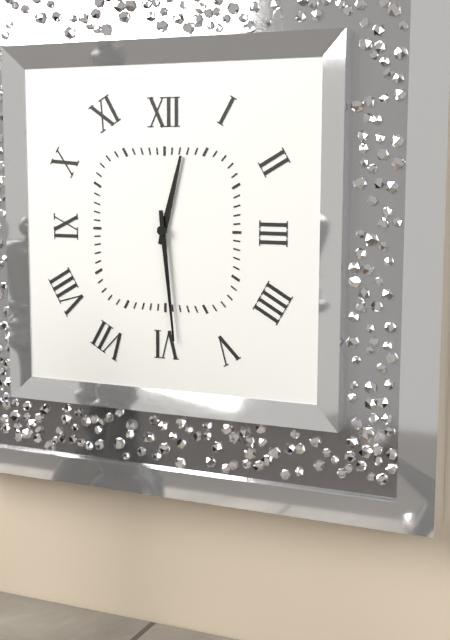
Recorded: h=12 m=29
